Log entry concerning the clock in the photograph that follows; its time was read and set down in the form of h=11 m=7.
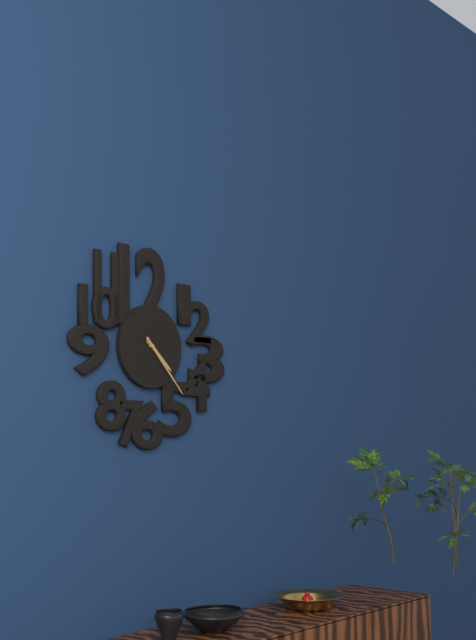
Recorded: h=4 m=23
